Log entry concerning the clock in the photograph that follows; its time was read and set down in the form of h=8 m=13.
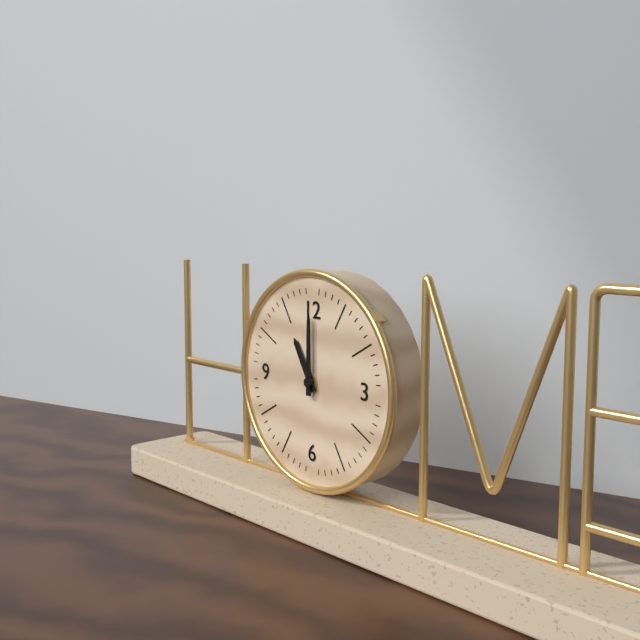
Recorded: h=11 m=0
